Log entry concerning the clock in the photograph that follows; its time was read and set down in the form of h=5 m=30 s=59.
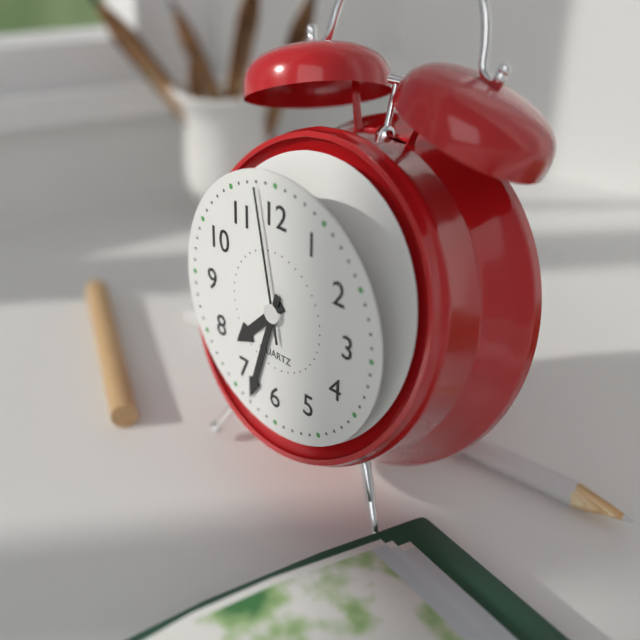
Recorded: h=7 m=33 s=58
